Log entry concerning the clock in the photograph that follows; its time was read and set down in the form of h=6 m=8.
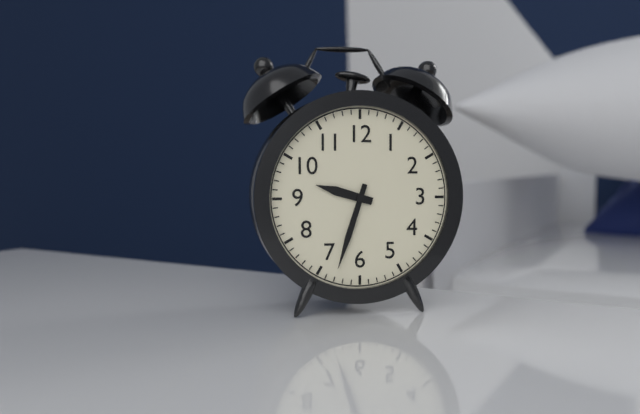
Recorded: h=9 m=33
